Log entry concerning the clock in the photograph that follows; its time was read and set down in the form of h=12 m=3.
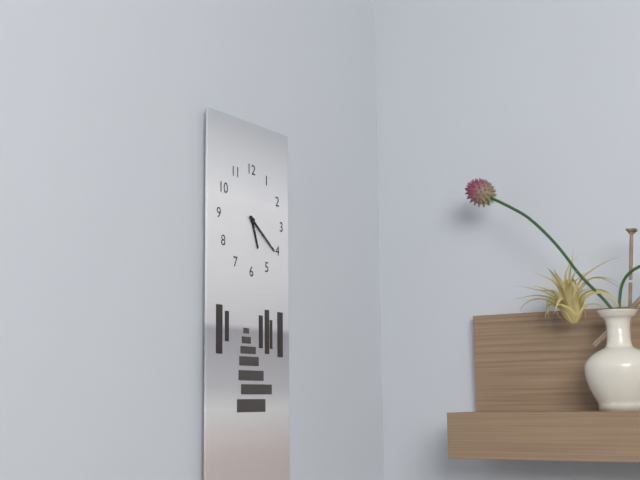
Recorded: h=5 m=21
